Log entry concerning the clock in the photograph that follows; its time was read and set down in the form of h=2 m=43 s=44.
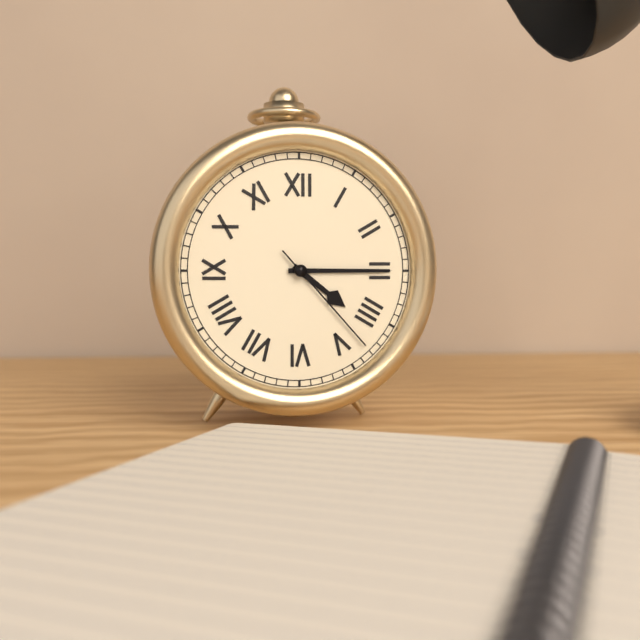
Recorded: h=4 m=15 s=23
